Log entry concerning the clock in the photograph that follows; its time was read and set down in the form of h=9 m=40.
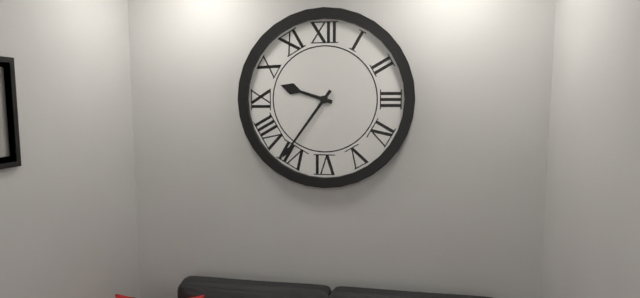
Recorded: h=9 m=36
